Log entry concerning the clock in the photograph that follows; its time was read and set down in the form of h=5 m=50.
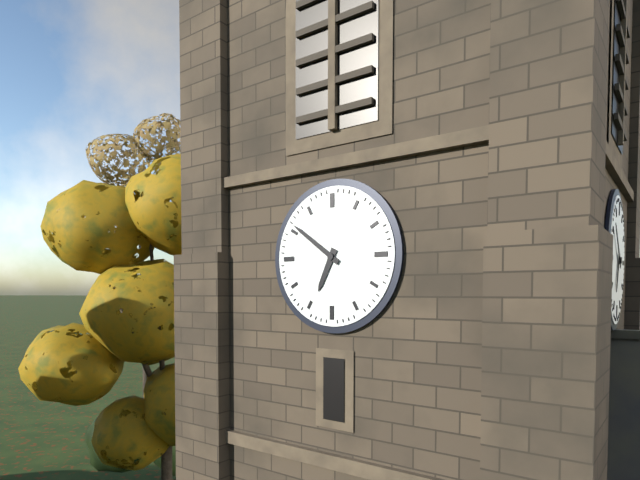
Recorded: h=6 m=51
